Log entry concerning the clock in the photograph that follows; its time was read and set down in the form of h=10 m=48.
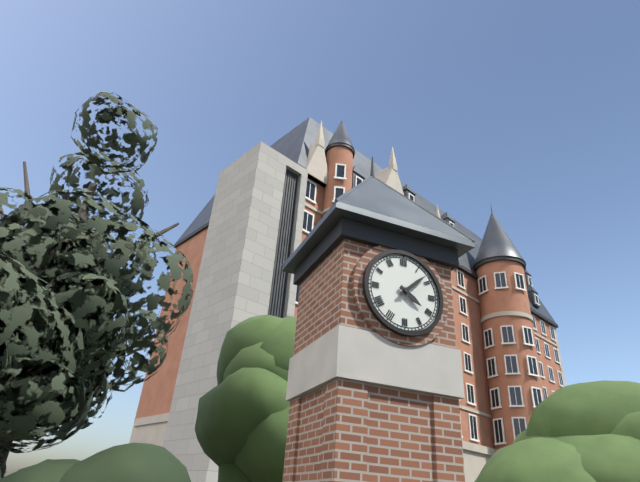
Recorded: h=4 m=8
